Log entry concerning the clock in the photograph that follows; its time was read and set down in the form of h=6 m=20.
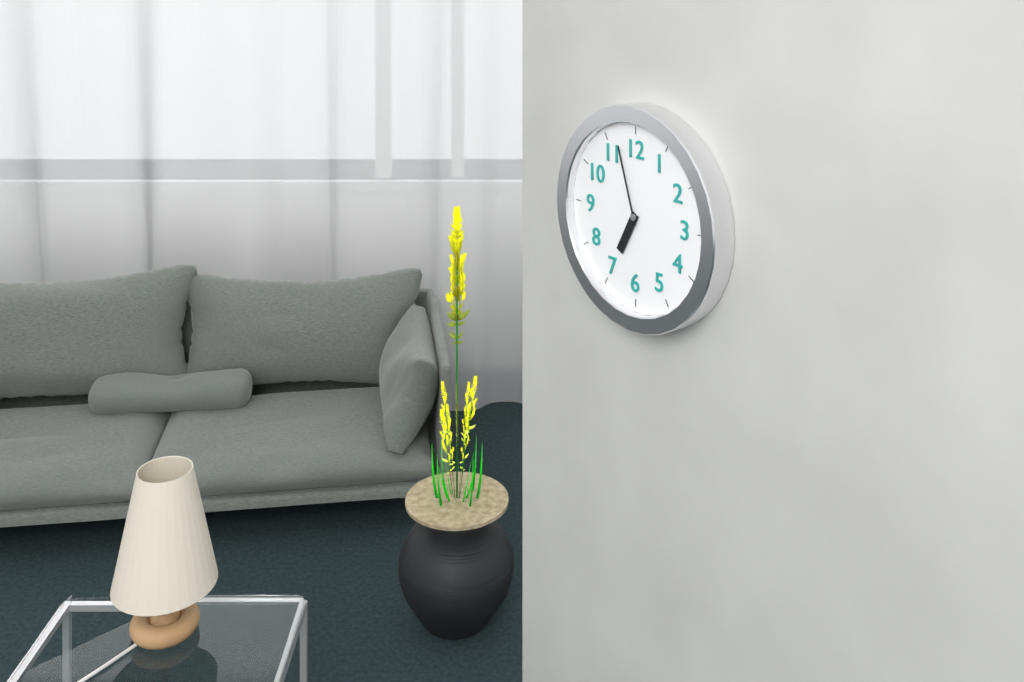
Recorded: h=6 m=57
